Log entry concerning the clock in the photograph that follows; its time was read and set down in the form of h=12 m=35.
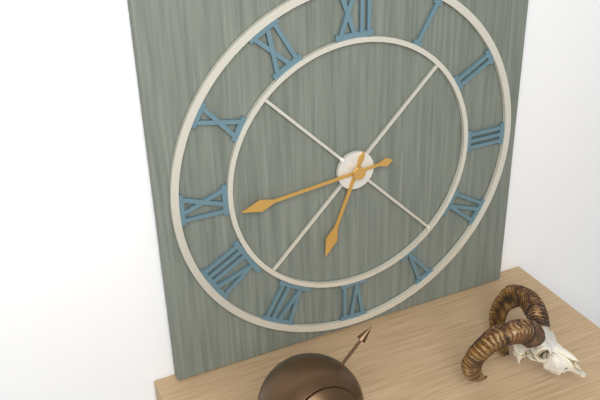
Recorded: h=6 m=44
